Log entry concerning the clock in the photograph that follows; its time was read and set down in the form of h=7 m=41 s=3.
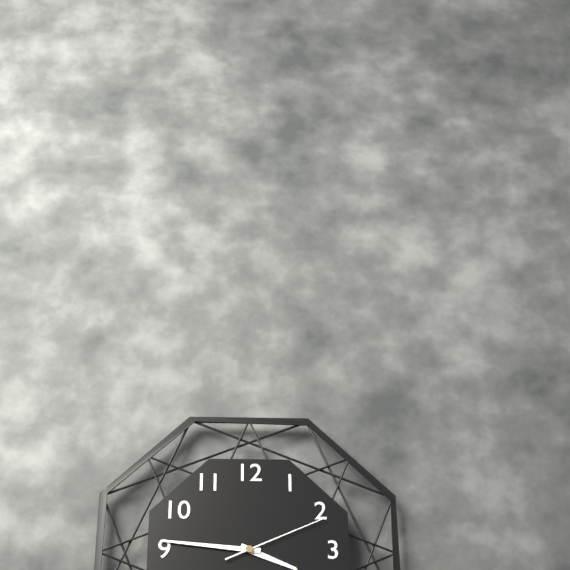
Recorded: h=3 m=46 s=11
